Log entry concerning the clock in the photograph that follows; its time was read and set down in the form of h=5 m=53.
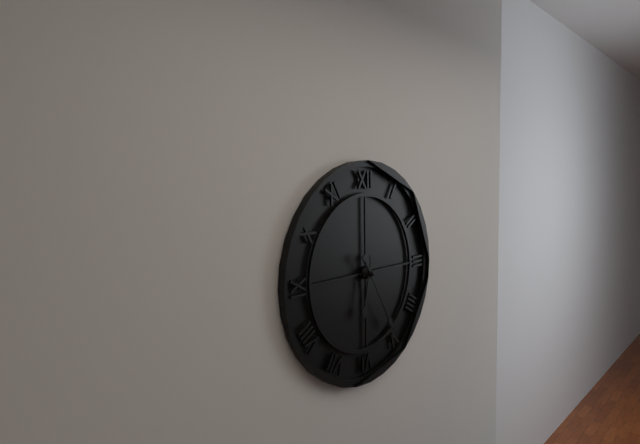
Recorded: h=6 m=25
